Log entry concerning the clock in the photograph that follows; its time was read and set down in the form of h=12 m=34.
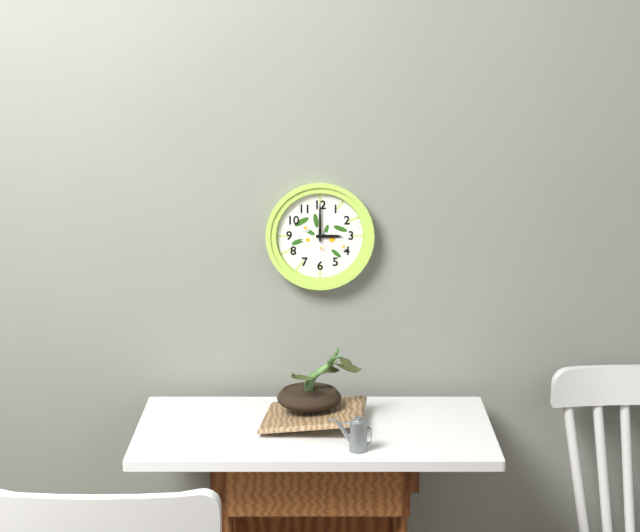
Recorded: h=3 m=0
